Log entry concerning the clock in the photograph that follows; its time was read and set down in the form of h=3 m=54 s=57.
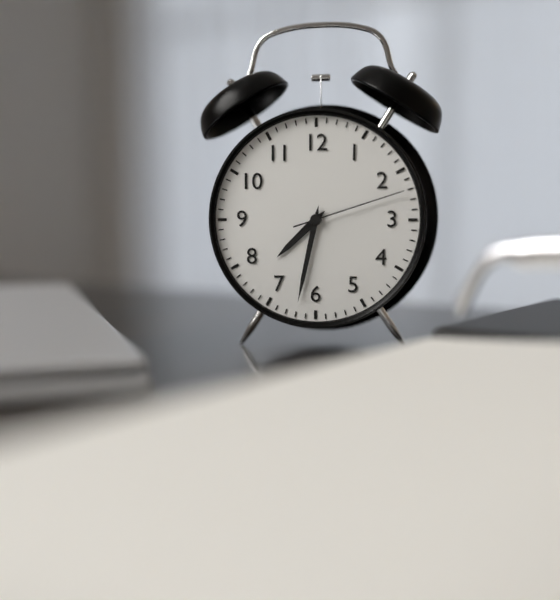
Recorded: h=7 m=32 s=12
